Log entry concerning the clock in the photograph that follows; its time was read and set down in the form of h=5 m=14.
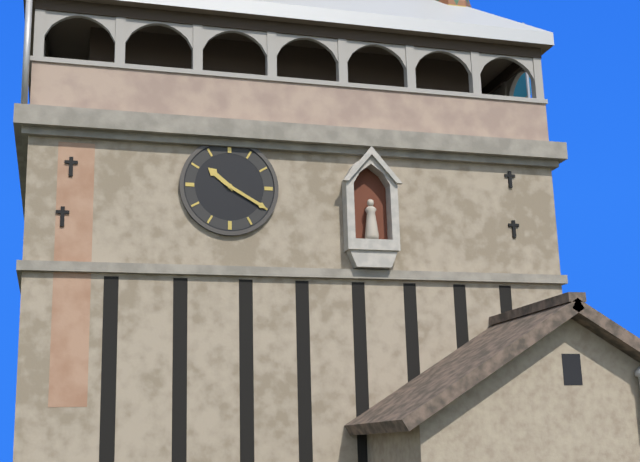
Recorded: h=10 m=20
